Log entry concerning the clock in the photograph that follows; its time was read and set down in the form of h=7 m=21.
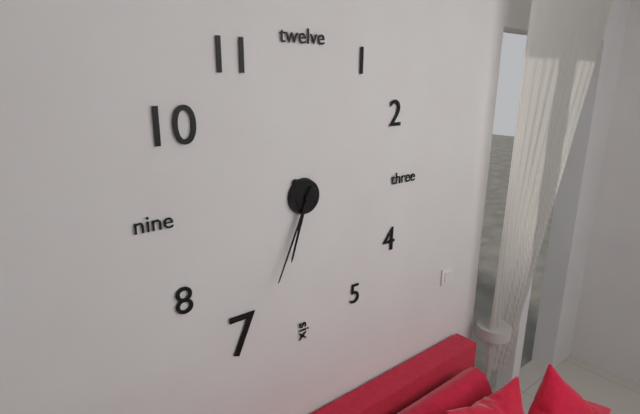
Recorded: h=6 m=34
